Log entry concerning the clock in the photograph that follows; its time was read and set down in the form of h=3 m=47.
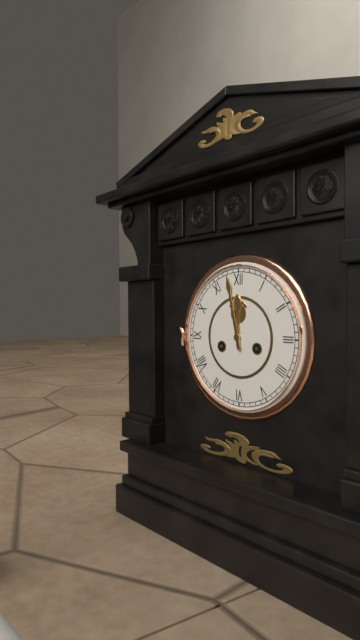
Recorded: h=11 m=58
